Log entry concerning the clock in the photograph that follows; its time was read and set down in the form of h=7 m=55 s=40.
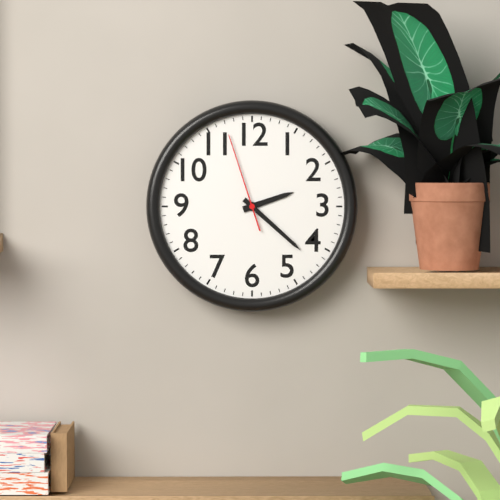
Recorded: h=2 m=22 s=57
